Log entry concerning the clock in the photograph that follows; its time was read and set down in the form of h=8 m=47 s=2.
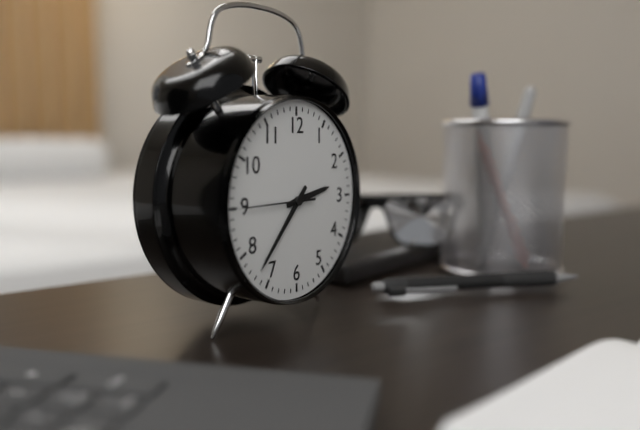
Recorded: h=2 m=37 s=45
